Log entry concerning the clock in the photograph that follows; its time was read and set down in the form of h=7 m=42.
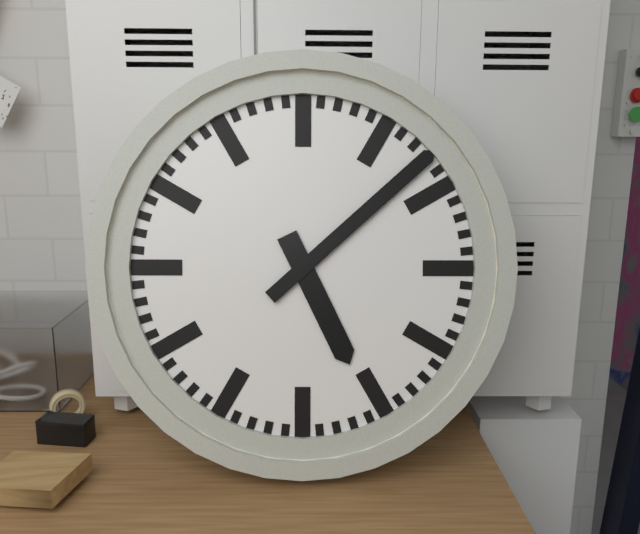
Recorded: h=5 m=8
